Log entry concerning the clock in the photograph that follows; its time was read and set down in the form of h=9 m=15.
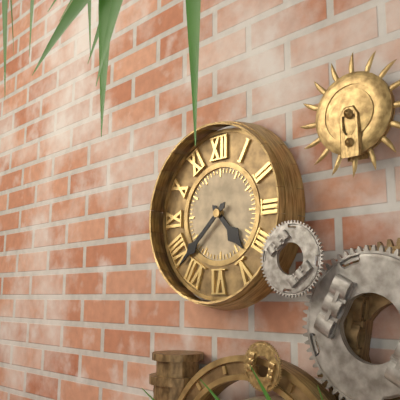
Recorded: h=4 m=38
